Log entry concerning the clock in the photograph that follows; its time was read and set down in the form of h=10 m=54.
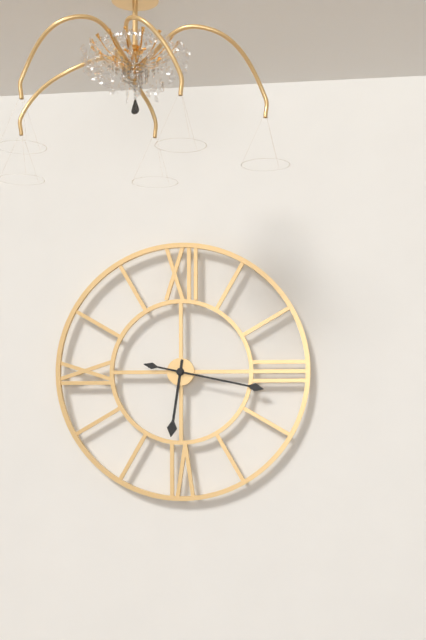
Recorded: h=6 m=17
